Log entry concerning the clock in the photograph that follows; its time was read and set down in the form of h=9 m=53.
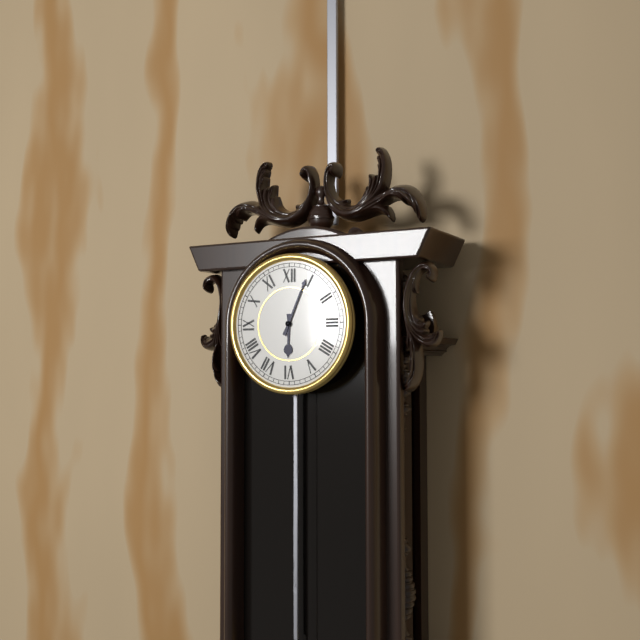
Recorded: h=6 m=4
